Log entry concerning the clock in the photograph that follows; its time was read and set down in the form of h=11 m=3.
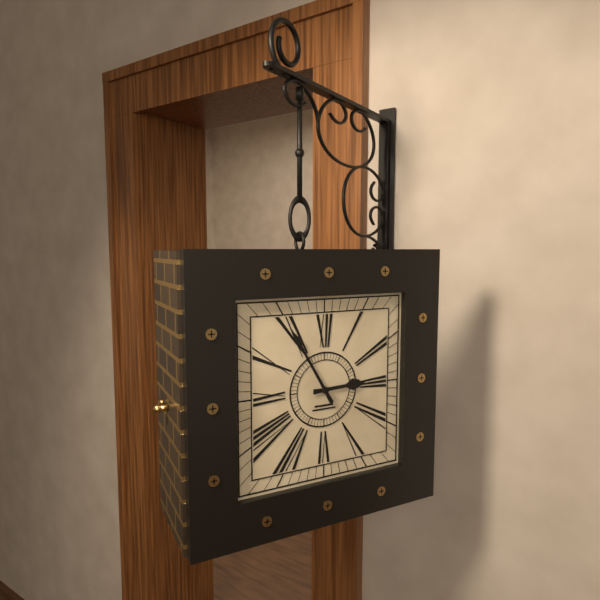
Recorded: h=2 m=55
